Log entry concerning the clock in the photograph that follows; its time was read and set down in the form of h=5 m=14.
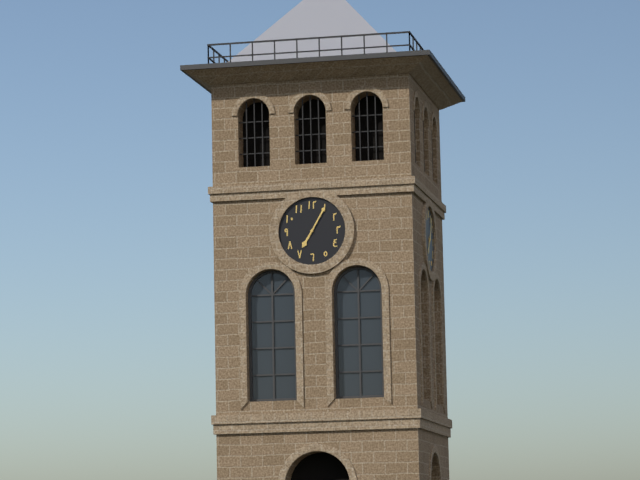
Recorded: h=7 m=5
